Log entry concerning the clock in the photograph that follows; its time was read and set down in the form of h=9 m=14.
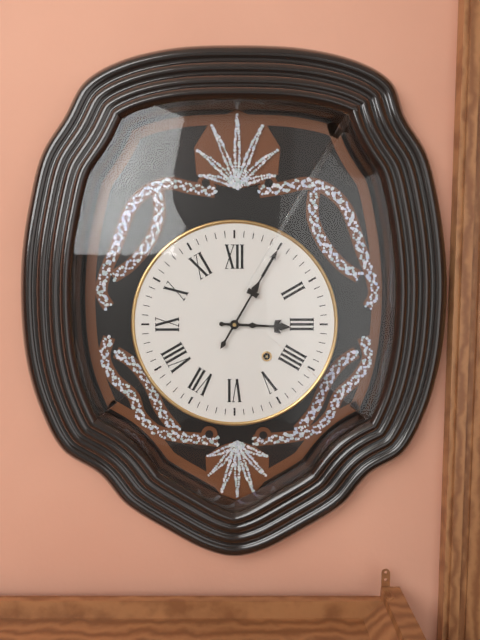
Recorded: h=3 m=5
